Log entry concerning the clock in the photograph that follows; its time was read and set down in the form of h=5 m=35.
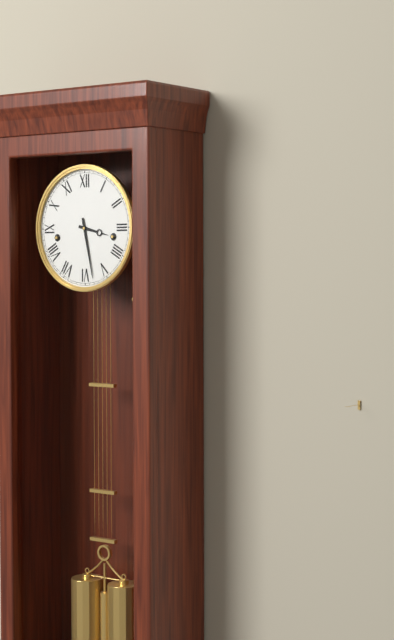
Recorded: h=3 m=28
